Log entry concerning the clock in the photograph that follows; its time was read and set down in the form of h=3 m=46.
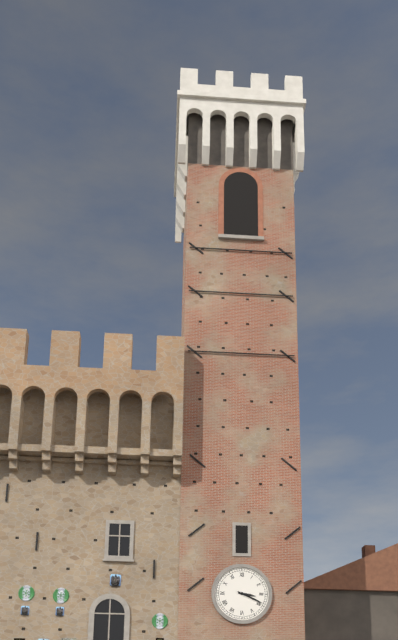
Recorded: h=3 m=19
